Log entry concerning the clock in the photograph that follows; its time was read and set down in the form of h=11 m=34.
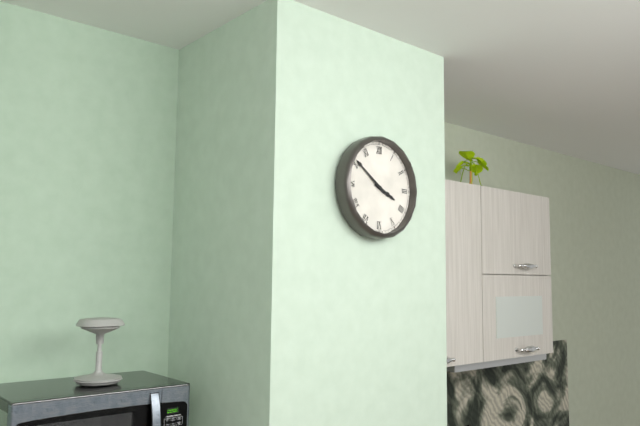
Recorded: h=3 m=51
